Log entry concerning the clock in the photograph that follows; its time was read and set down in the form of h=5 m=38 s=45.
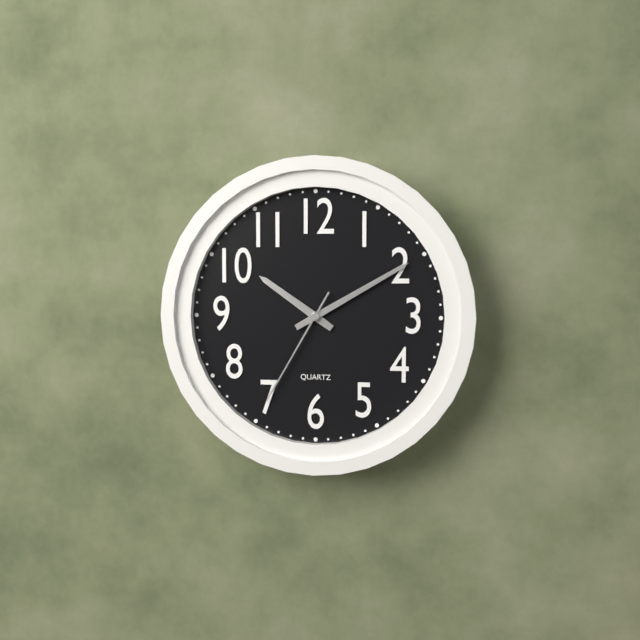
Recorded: h=10 m=10 s=35
